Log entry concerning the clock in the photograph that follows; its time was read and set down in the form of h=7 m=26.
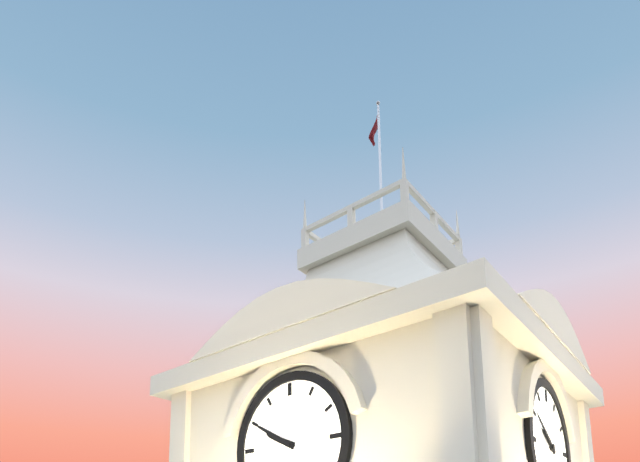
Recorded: h=9 m=50
